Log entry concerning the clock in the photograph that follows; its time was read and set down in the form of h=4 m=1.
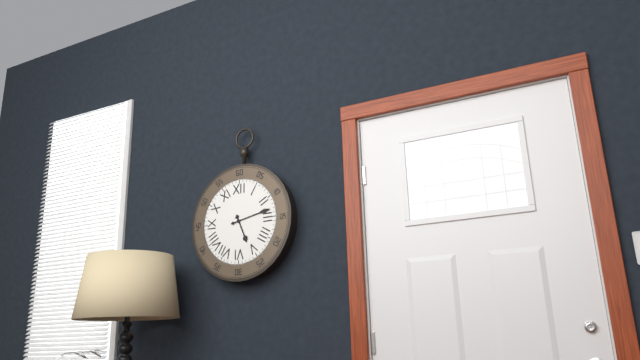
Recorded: h=5 m=13
